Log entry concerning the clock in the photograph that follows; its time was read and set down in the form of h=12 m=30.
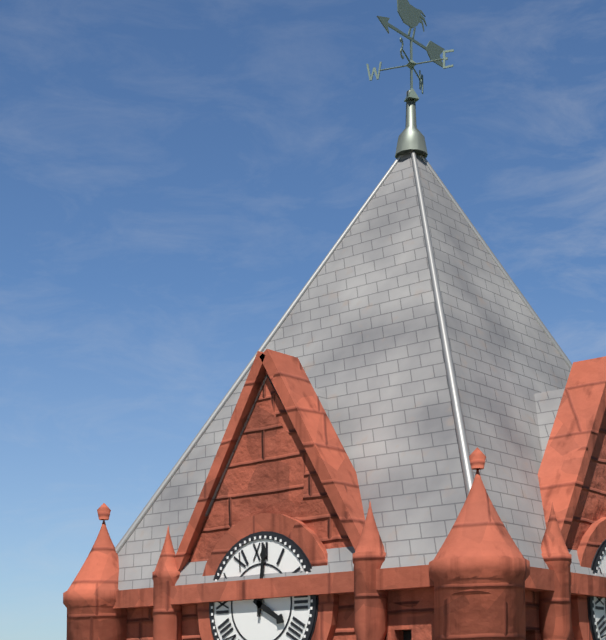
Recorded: h=4 m=1
